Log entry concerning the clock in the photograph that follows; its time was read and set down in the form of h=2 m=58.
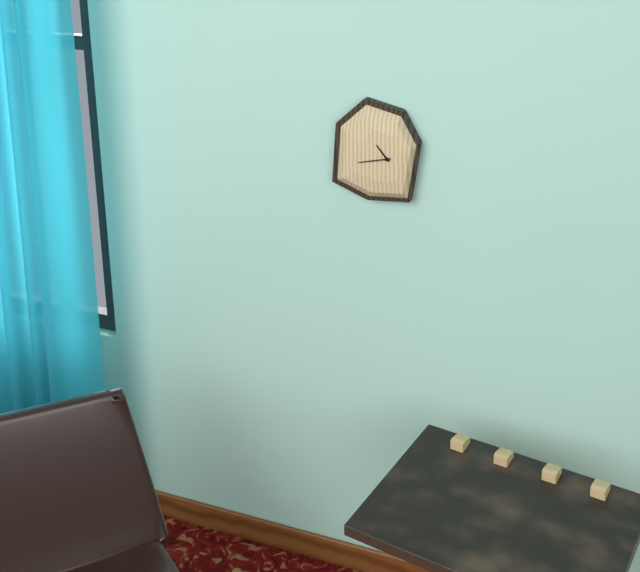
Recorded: h=10 m=43
